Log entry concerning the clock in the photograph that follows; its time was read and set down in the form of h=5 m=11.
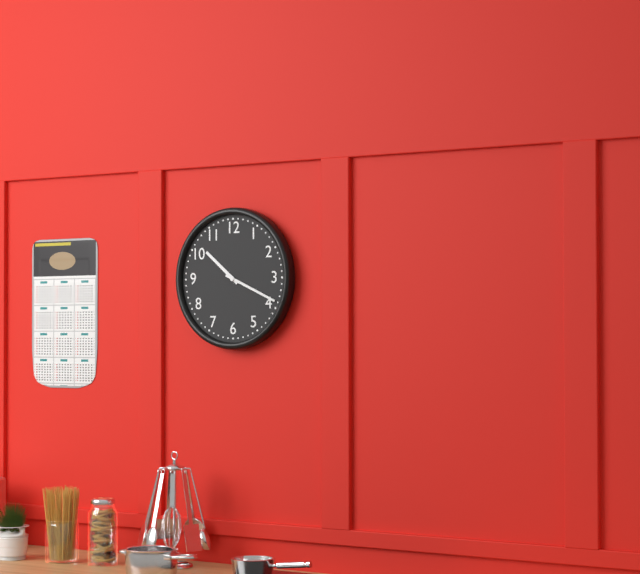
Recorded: h=10 m=19
